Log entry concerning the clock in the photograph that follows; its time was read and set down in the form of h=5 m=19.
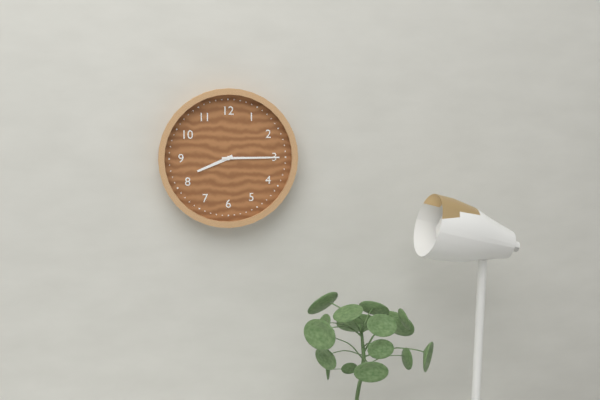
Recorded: h=8 m=15
